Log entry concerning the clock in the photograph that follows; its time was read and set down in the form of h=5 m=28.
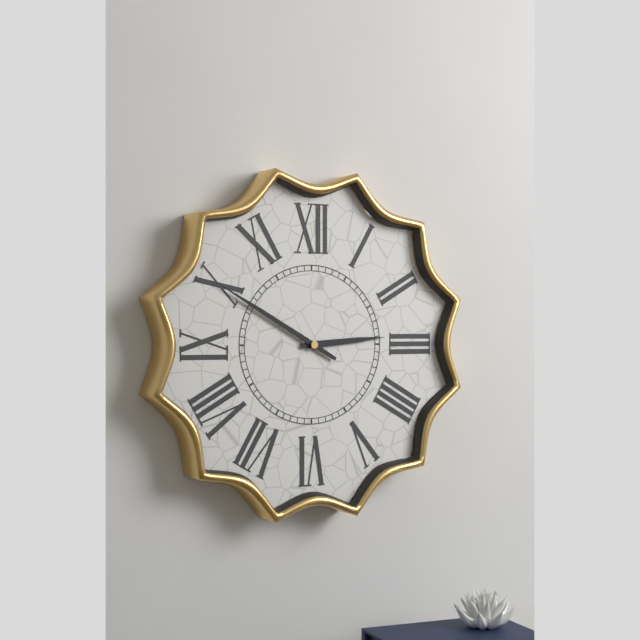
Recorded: h=2 m=50
